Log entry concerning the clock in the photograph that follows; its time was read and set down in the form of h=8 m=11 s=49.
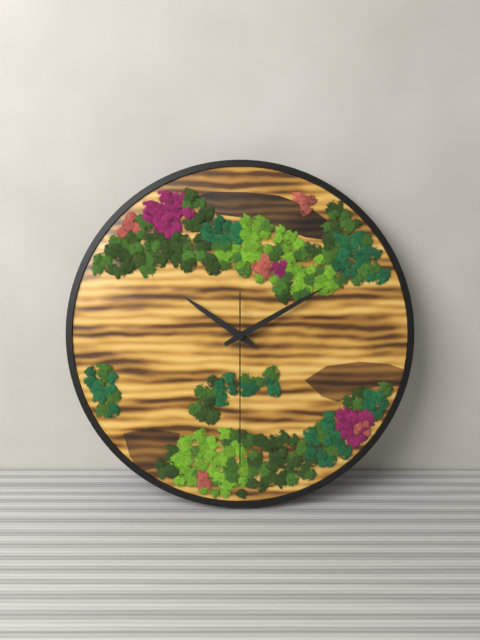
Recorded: h=10 m=10 s=30
